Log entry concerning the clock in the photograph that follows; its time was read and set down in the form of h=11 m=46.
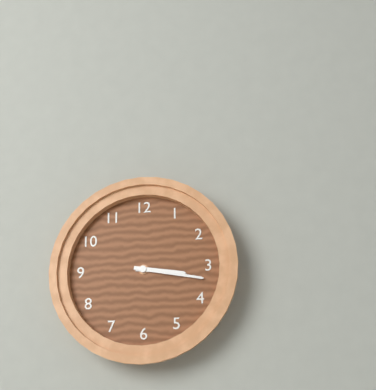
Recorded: h=3 m=17
